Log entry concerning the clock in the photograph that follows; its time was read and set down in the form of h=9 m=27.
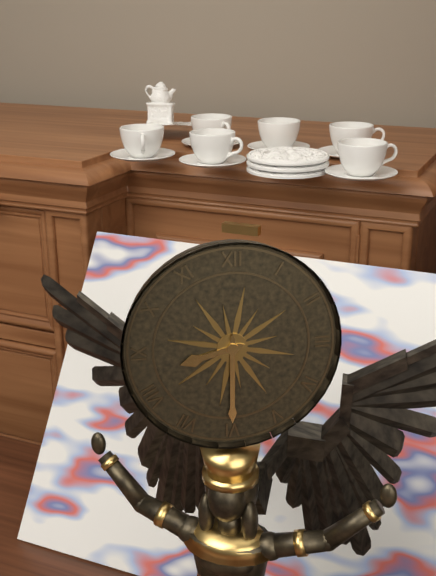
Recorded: h=8 m=30
